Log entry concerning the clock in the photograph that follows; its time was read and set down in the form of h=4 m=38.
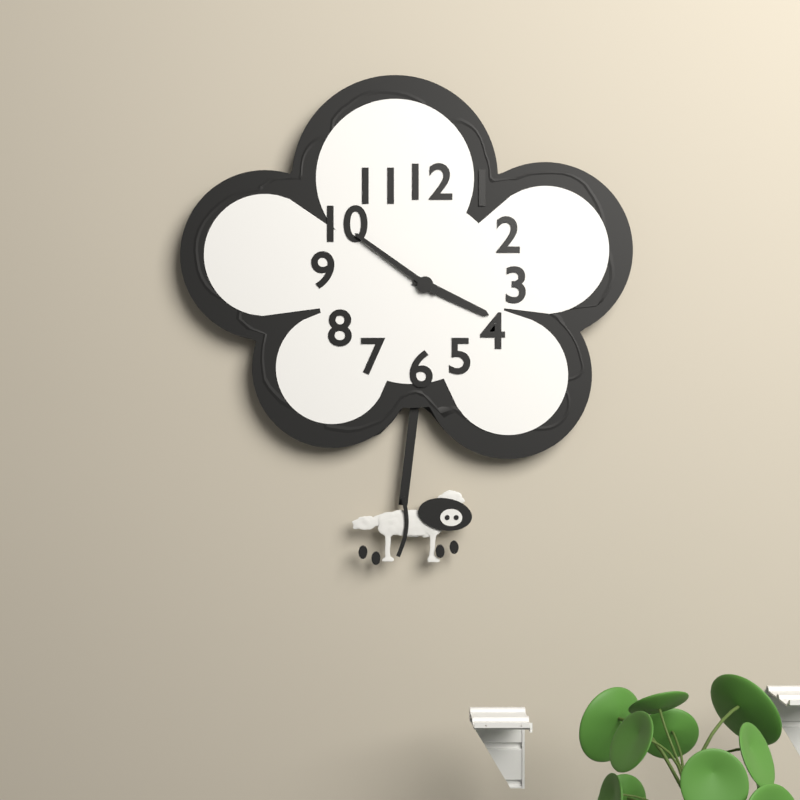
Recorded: h=3 m=51
